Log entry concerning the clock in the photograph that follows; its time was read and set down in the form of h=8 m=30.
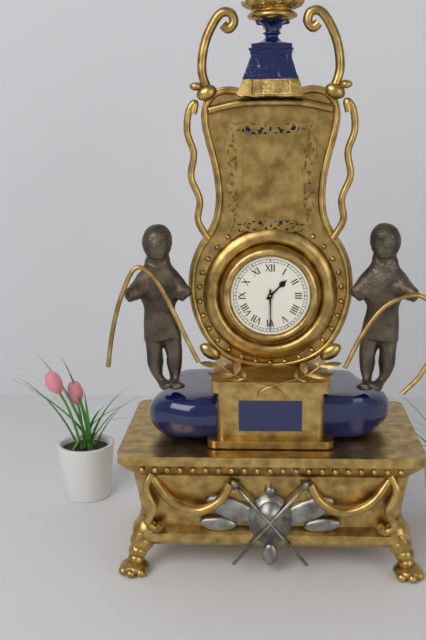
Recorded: h=1 m=30
